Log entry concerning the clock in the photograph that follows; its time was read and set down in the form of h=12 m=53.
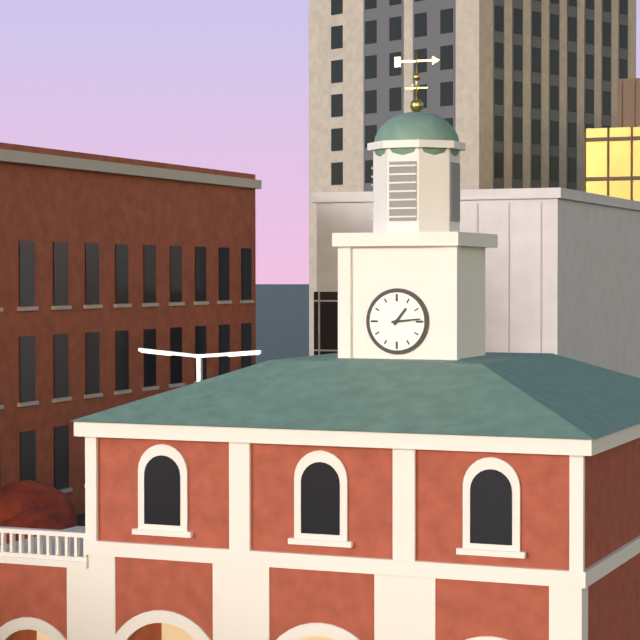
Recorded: h=1 m=14
